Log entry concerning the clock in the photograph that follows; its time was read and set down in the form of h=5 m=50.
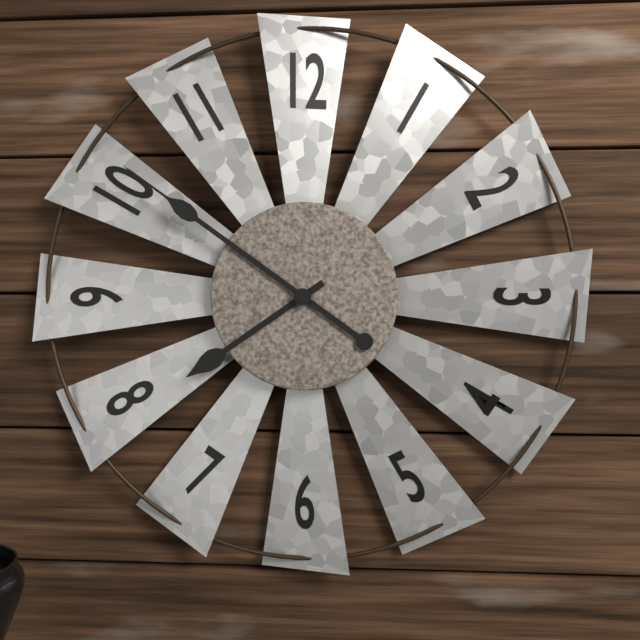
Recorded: h=7 m=51
